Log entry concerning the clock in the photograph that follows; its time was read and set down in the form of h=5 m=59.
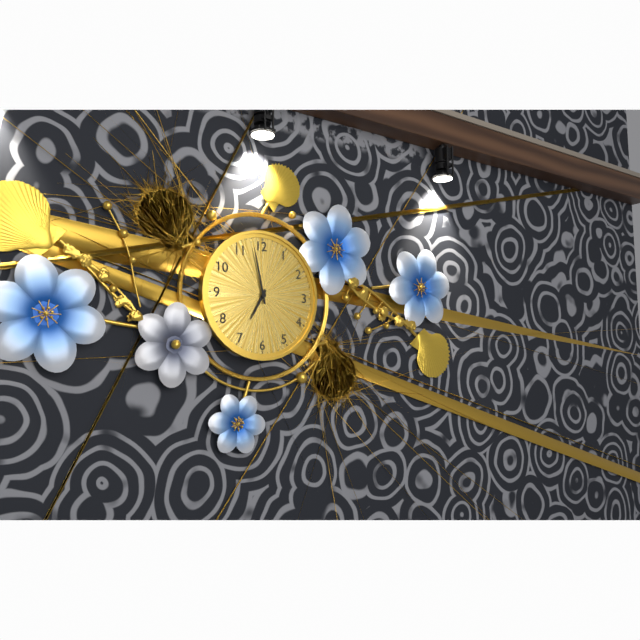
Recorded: h=6 m=58
